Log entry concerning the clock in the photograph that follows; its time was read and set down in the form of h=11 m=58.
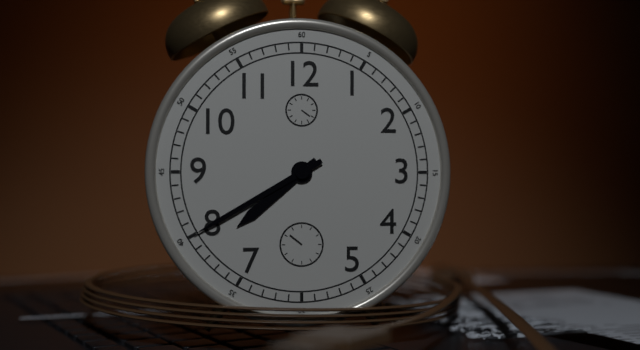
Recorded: h=7 m=40
